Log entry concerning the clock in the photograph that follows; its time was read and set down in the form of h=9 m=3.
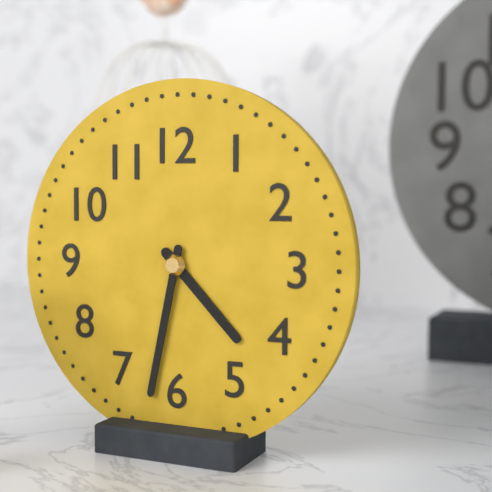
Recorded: h=4 m=32
